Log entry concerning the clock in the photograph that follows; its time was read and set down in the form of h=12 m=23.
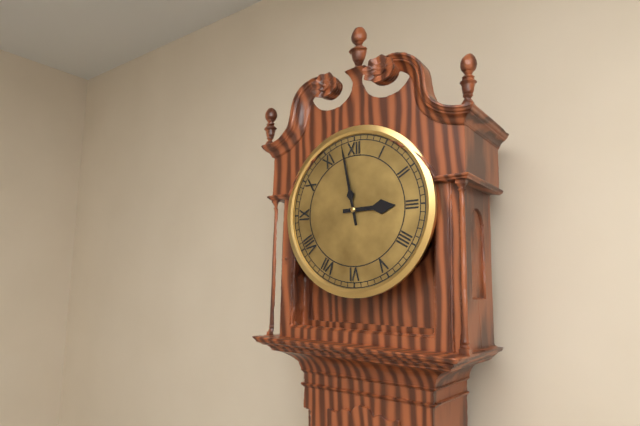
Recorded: h=2 m=58
